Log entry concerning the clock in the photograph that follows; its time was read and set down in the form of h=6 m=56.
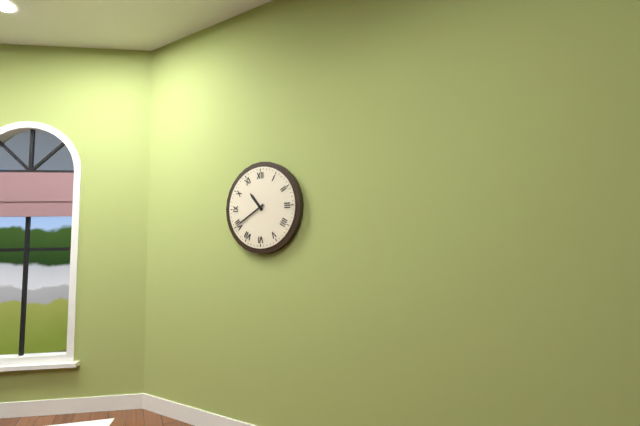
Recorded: h=10 m=40
